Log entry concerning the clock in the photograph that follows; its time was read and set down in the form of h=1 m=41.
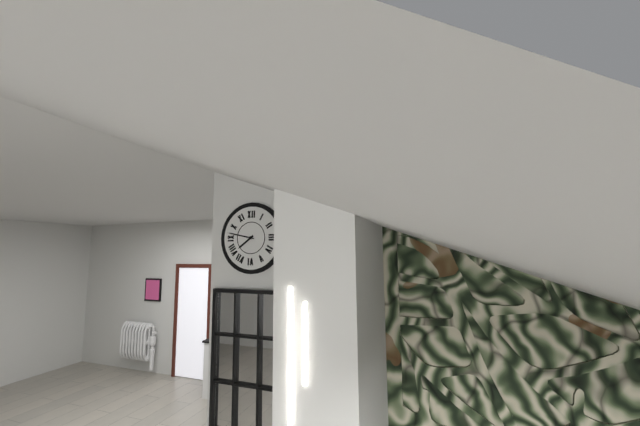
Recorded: h=7 m=47
